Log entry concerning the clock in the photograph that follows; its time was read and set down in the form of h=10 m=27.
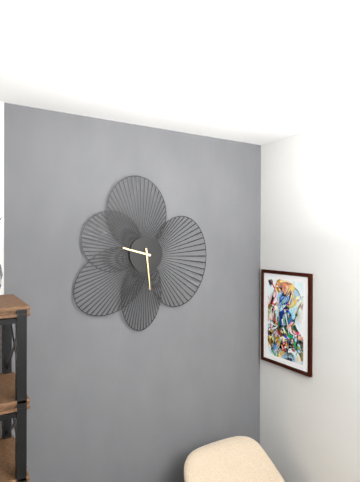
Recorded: h=9 m=29
